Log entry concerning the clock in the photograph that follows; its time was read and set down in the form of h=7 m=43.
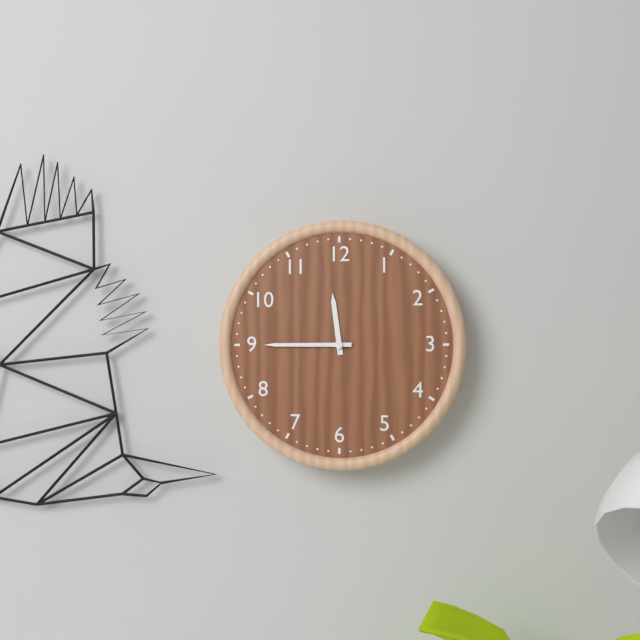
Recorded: h=11 m=45
